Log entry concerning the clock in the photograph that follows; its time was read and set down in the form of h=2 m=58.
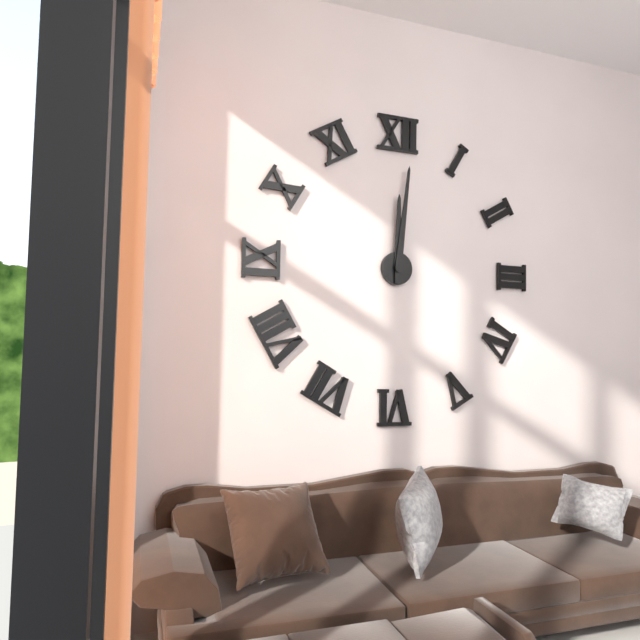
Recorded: h=12 m=1
